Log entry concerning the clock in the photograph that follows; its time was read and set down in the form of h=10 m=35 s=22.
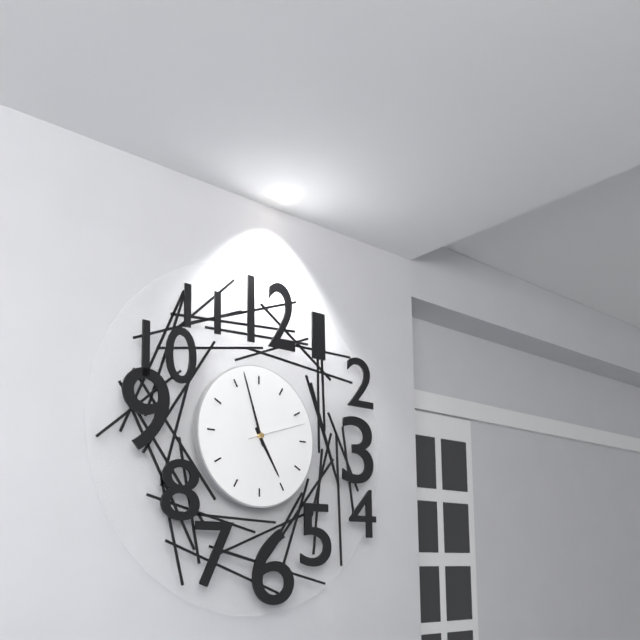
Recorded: h=4 m=57 s=12
